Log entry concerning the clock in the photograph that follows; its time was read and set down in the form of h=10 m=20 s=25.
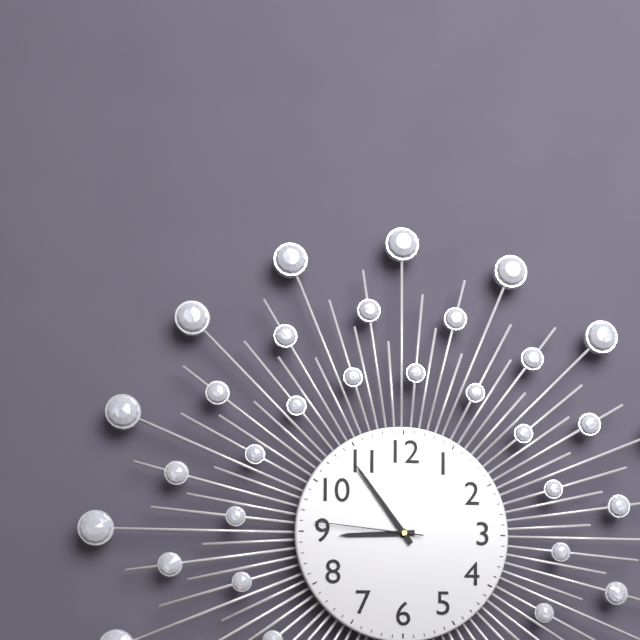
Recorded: h=8 m=54 s=46
